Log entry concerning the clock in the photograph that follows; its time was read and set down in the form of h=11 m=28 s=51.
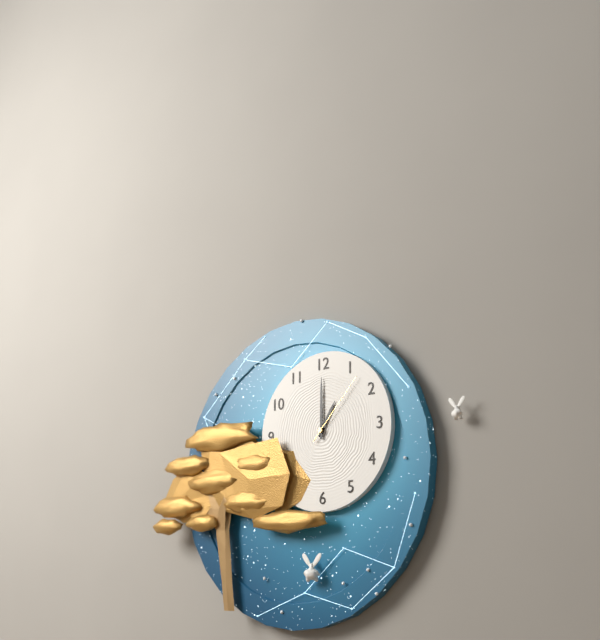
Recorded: h=1 m=0 s=7
